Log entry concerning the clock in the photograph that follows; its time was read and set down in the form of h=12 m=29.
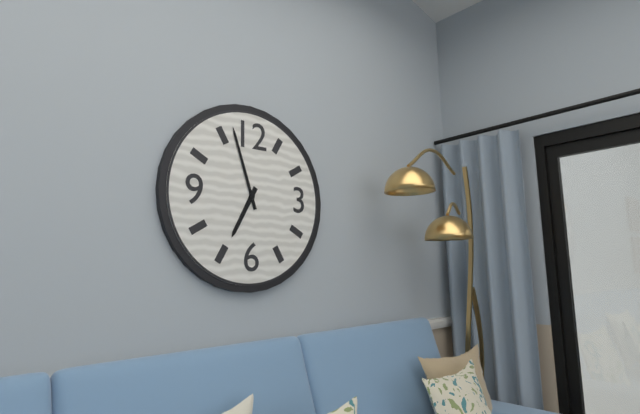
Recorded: h=6 m=57
